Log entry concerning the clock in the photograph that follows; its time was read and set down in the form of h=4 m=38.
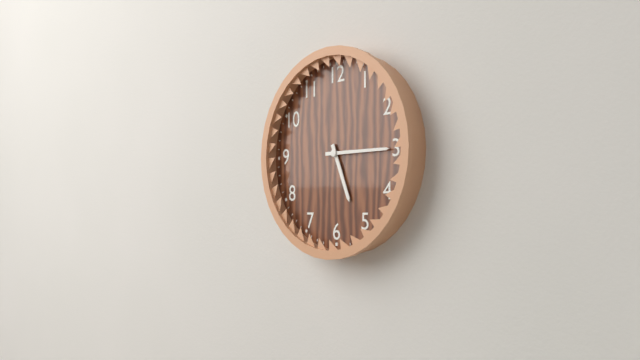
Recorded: h=5 m=15
